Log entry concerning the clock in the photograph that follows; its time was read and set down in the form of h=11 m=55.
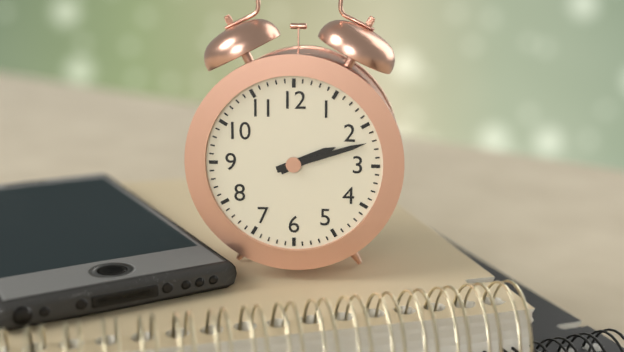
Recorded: h=2 m=12
